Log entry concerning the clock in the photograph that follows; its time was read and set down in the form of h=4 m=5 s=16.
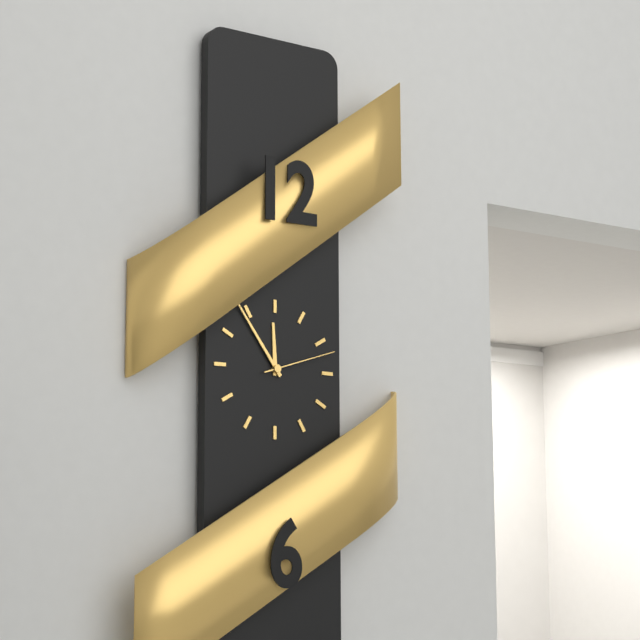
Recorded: h=11 m=54 s=12
